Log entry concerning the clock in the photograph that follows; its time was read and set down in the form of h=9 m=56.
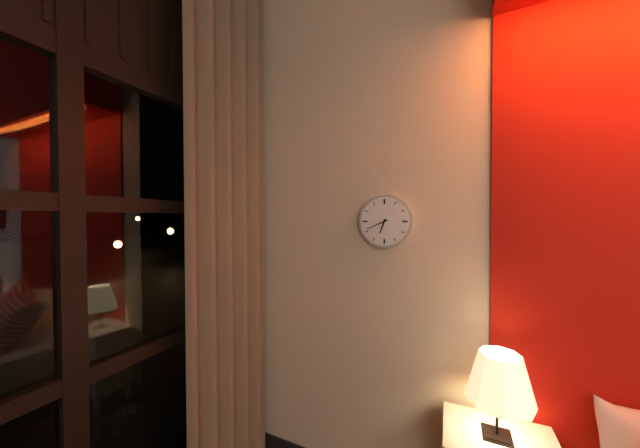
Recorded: h=6 m=41
